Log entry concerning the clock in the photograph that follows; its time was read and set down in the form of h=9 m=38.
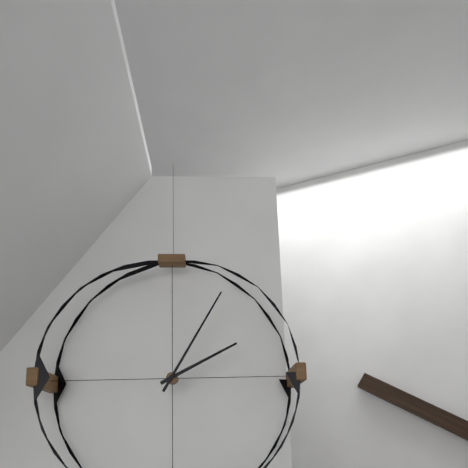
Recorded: h=2 m=5
